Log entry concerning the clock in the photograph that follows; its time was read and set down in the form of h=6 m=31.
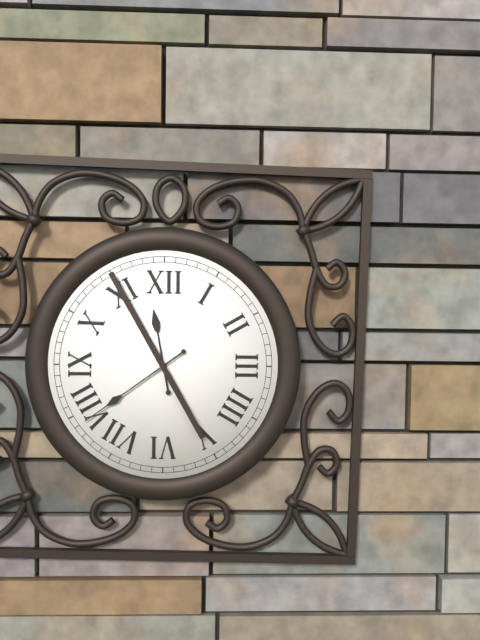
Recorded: h=11 m=39
